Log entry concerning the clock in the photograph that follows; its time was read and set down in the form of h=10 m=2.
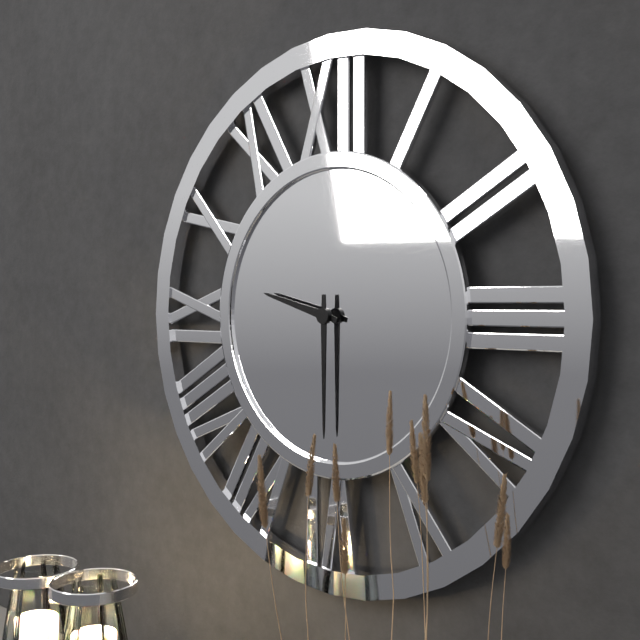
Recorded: h=9 m=30
